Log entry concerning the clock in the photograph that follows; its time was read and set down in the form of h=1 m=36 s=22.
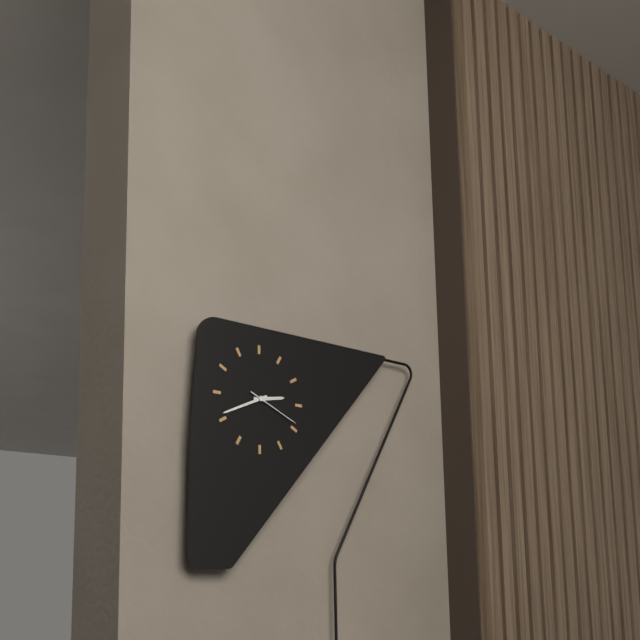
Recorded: h=2 m=41 s=19
